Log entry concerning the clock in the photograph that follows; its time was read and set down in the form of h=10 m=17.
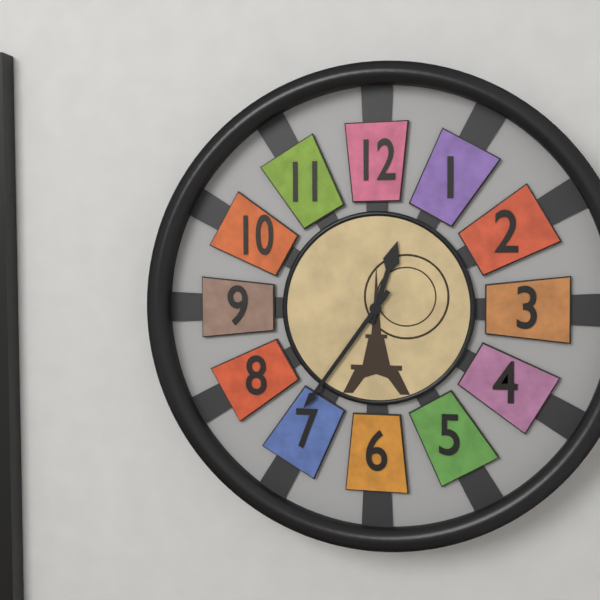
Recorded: h=12 m=36
